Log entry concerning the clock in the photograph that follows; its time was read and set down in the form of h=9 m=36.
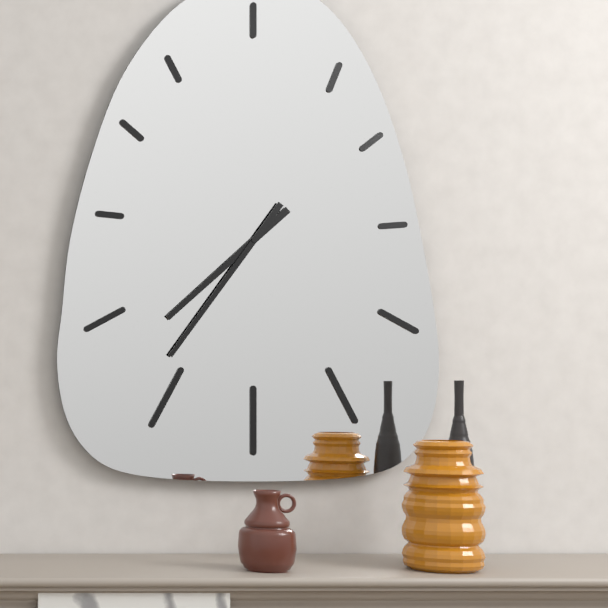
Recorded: h=7 m=36
